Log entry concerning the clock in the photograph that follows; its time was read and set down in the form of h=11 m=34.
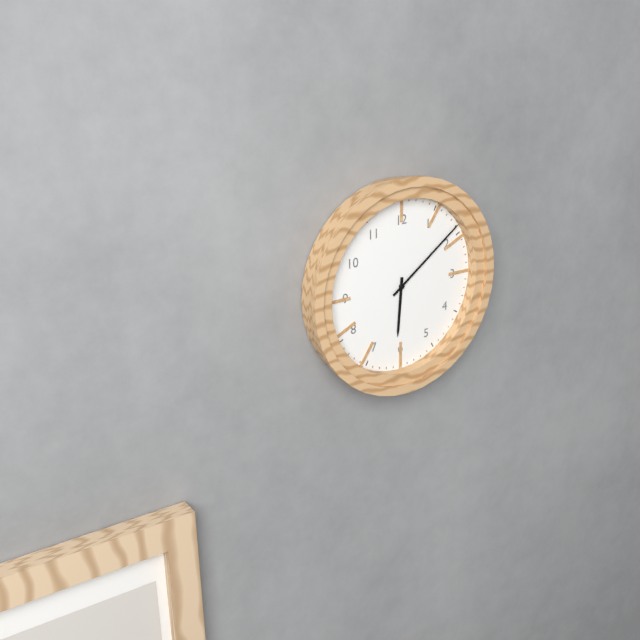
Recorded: h=6 m=9
